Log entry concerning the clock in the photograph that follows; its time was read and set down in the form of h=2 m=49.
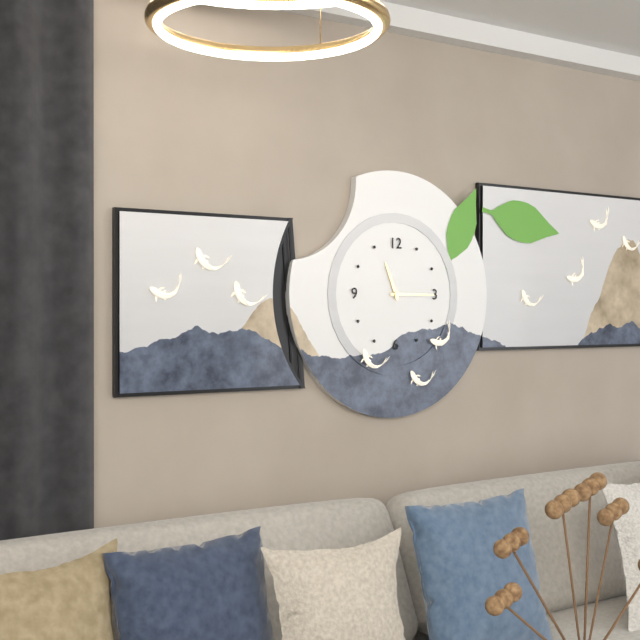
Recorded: h=11 m=15
